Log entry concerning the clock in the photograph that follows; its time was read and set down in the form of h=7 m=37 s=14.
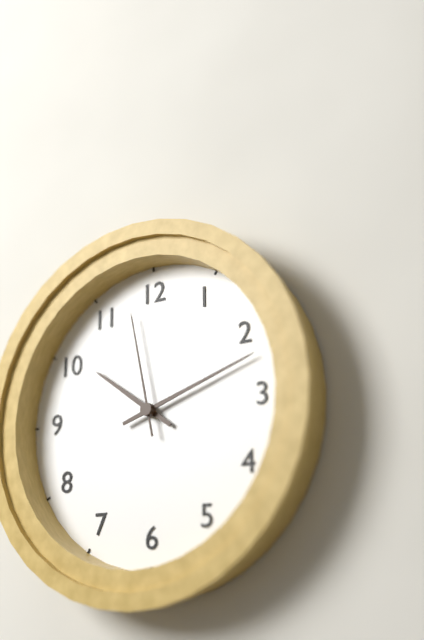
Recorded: h=10 m=12 s=58
